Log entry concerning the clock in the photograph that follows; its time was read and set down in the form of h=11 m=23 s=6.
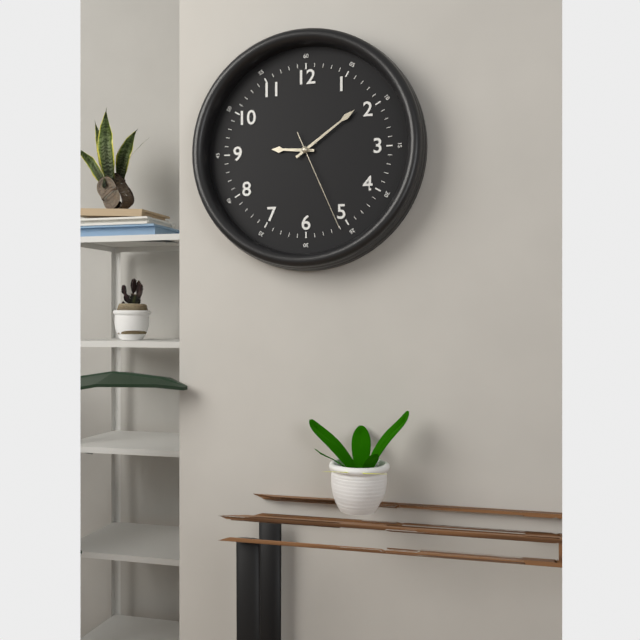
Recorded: h=9 m=9 s=26
